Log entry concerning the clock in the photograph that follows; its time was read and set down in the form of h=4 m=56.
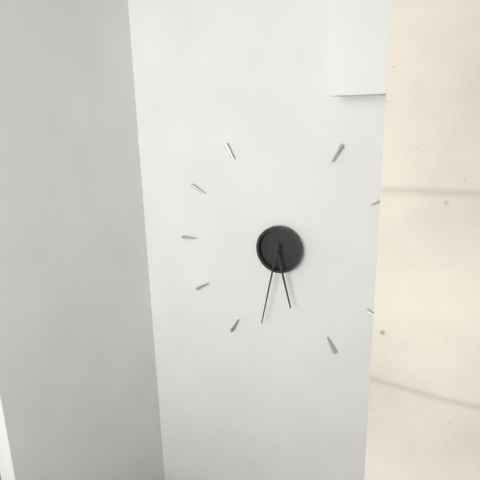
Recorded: h=5 m=32
